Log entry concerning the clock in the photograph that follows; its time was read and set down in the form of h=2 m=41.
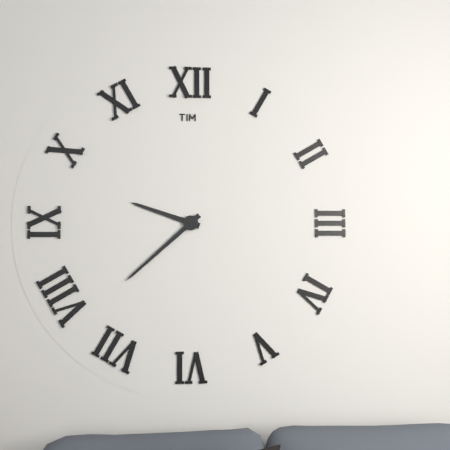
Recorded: h=9 m=38
